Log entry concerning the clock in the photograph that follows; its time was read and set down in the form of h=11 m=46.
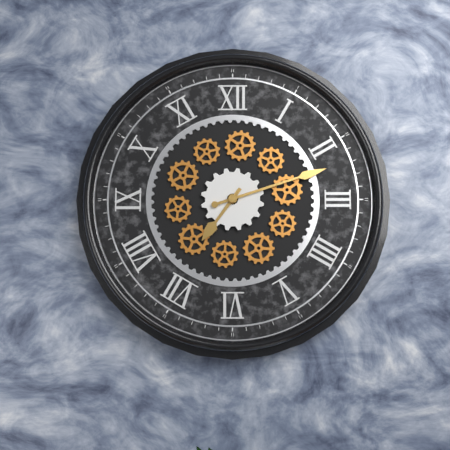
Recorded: h=7 m=12
